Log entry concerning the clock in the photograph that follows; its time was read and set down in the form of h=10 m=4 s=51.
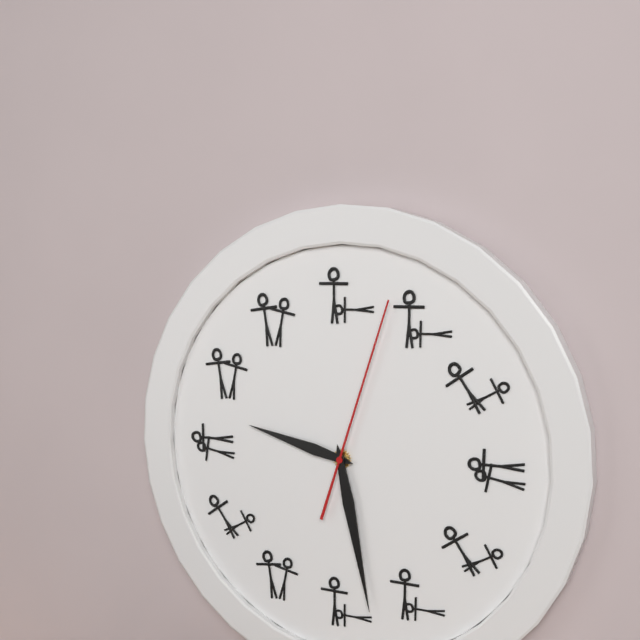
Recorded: h=9 m=28 s=3
